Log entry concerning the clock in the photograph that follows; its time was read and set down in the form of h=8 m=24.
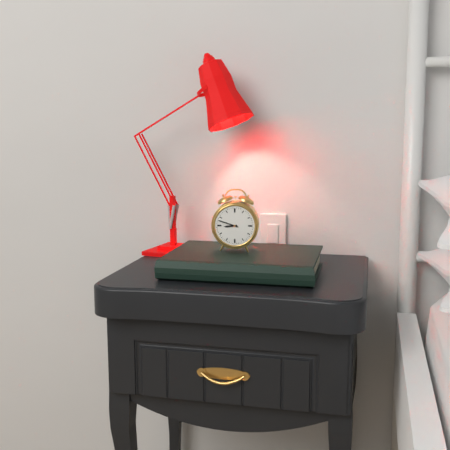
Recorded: h=8 m=48
